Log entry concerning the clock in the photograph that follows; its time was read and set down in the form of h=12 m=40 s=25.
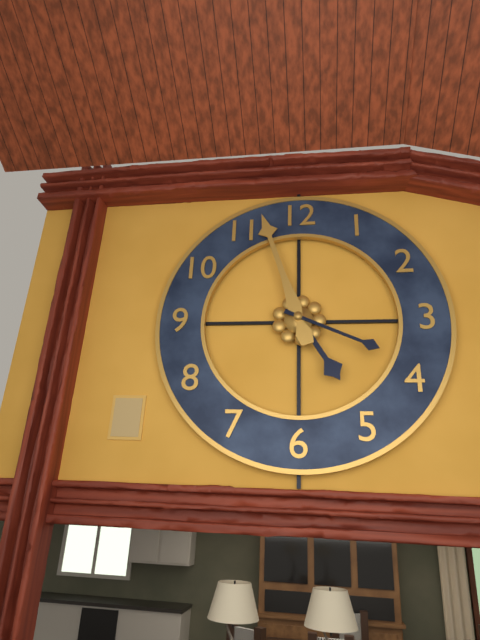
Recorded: h=4 m=57 s=19
